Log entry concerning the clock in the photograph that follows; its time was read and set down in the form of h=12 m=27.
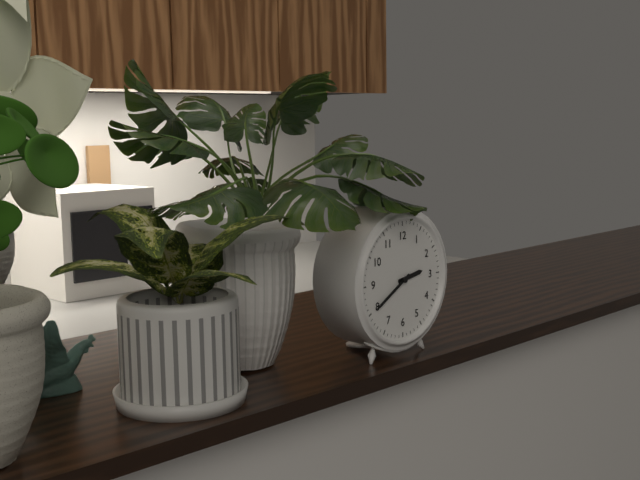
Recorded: h=2 m=40
